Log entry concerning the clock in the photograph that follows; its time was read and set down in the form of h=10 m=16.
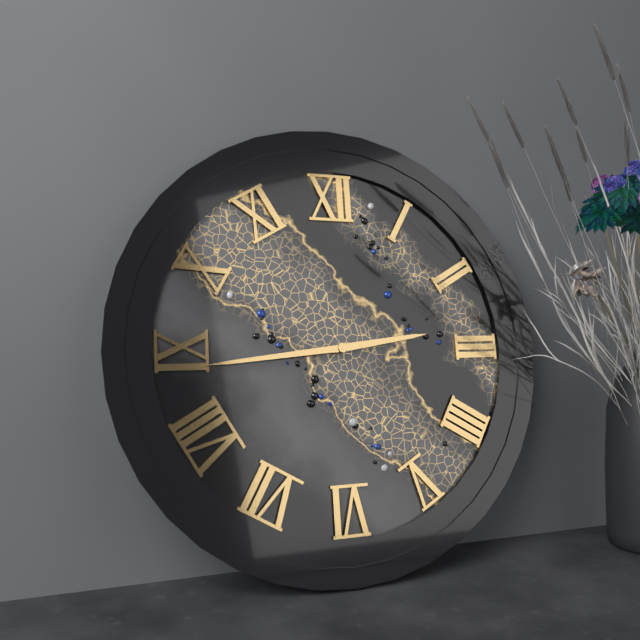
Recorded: h=2 m=44
